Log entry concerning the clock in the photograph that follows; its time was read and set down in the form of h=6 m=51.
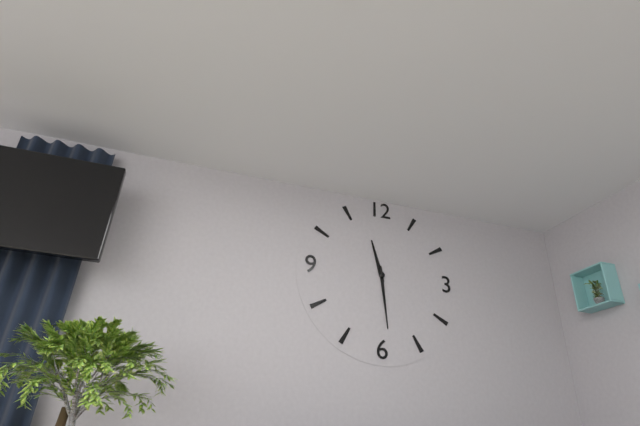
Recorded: h=11 m=29
